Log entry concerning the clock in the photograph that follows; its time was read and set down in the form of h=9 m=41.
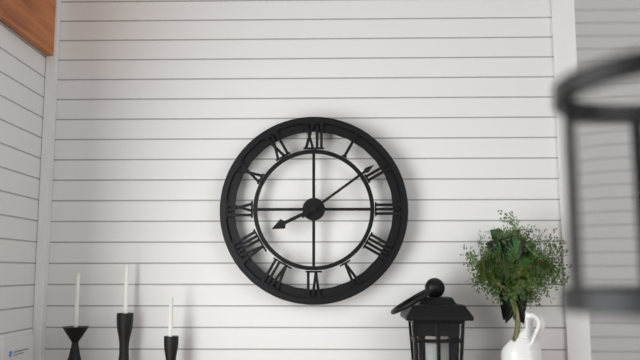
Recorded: h=8 m=9
